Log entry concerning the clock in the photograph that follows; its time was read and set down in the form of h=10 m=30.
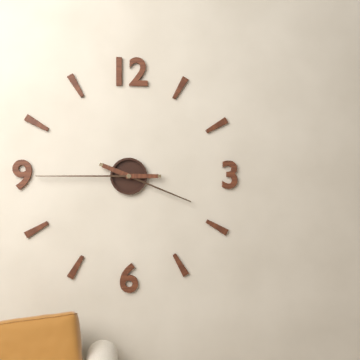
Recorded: h=3 m=45
